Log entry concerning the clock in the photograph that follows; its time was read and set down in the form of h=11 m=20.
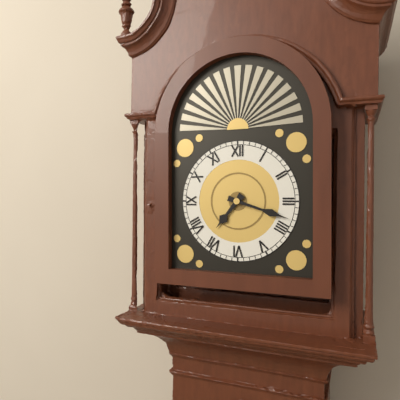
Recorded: h=7 m=18
